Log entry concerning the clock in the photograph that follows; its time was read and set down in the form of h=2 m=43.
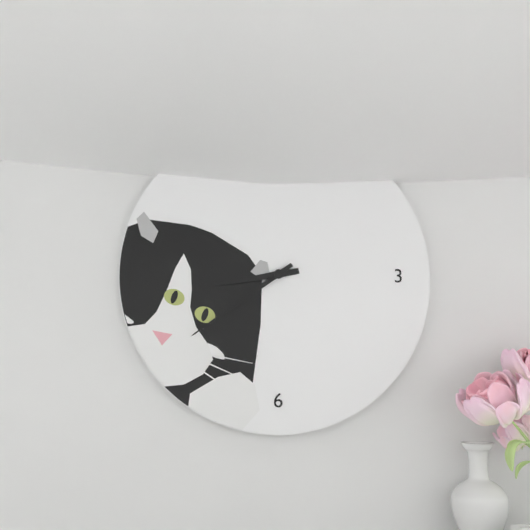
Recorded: h=8 m=39
